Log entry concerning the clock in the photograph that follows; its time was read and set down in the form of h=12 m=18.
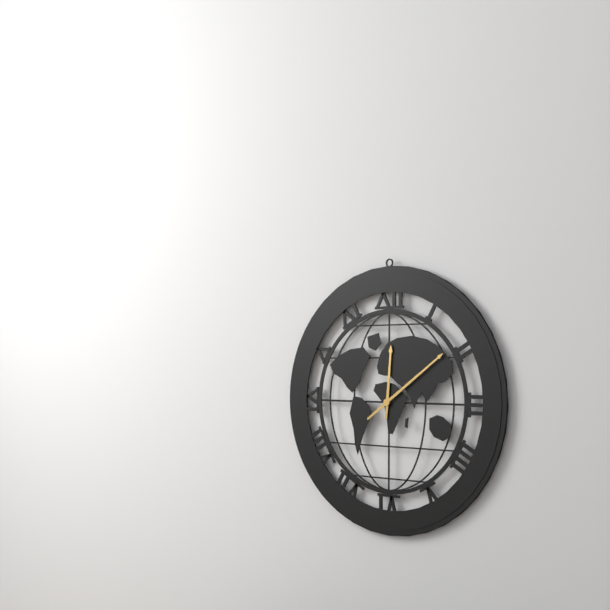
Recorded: h=12 m=9
